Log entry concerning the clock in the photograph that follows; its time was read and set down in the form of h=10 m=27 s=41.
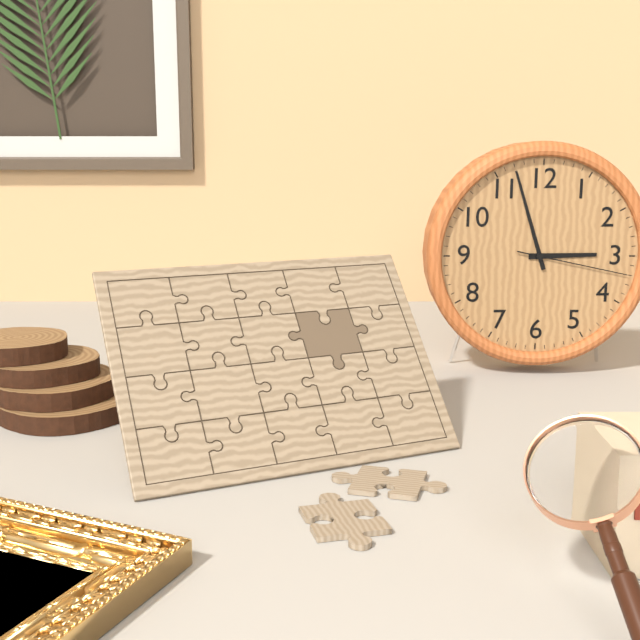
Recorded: h=2 m=57 s=17
